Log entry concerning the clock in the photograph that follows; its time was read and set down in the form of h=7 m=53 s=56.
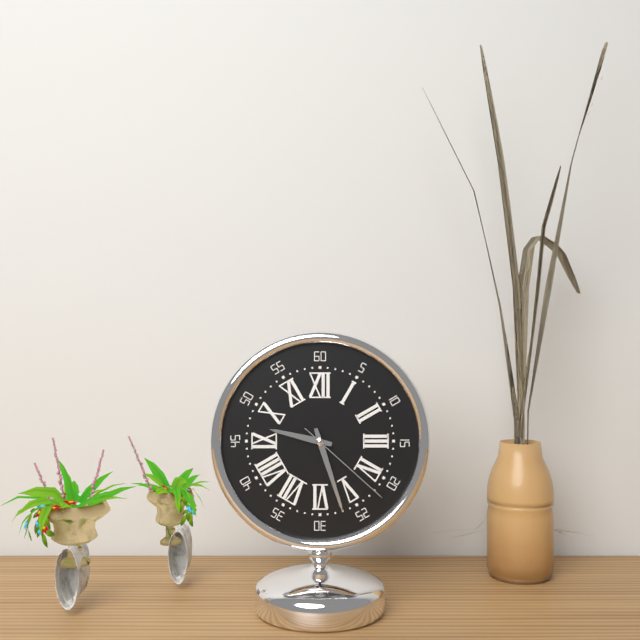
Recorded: h=9 m=27 s=22
